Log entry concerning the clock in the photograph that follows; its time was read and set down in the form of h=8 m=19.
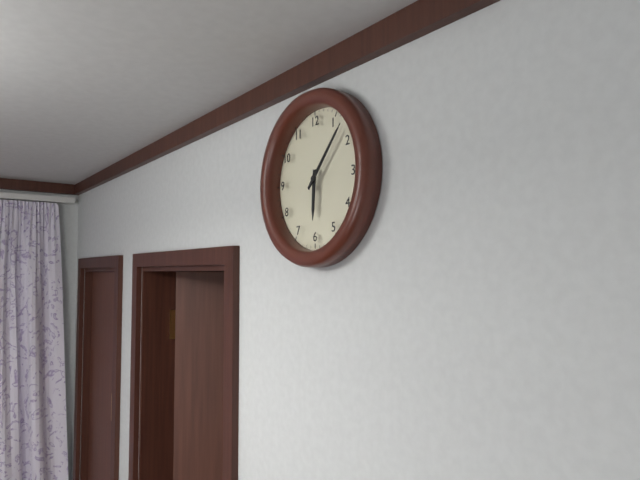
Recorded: h=6 m=7
